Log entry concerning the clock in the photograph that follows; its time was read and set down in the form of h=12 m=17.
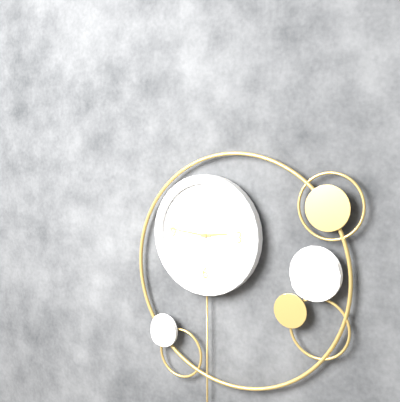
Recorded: h=2 m=46
